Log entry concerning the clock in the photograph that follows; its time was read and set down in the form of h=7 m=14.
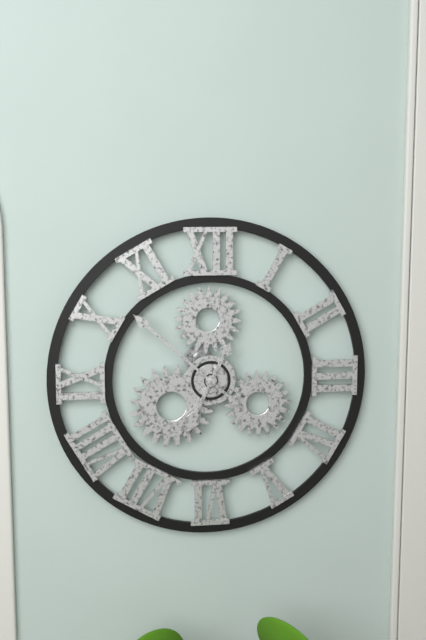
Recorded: h=6 m=52
